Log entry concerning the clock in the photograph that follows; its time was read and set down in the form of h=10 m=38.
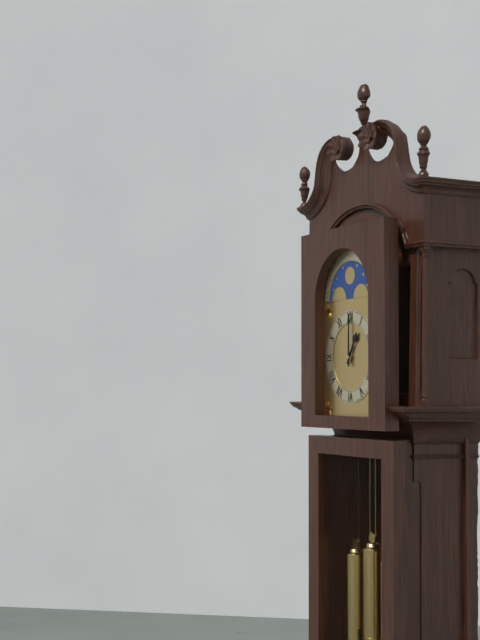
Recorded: h=1 m=0
